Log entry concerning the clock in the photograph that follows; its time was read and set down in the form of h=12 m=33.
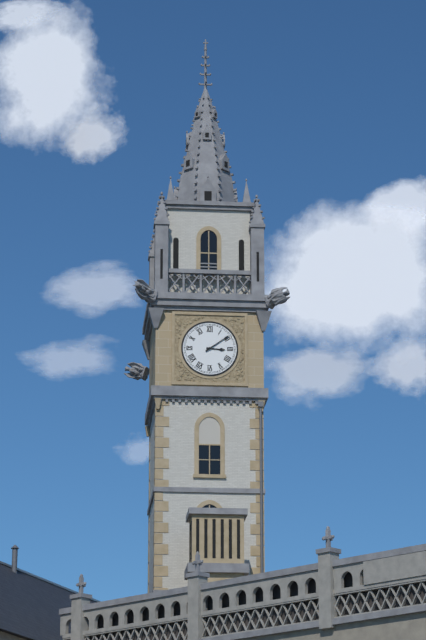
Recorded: h=3 m=9
